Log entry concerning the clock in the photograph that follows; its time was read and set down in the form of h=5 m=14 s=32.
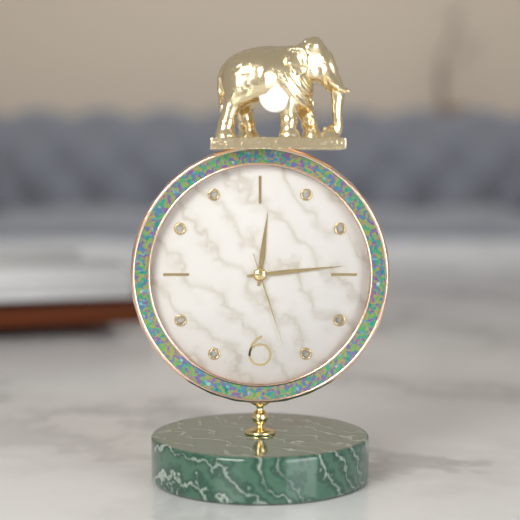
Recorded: h=12 m=14 s=27
